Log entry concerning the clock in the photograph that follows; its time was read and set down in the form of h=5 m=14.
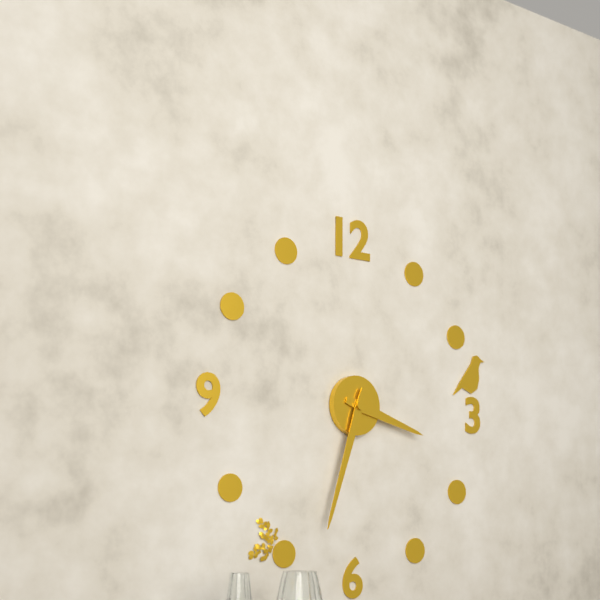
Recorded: h=3 m=33
